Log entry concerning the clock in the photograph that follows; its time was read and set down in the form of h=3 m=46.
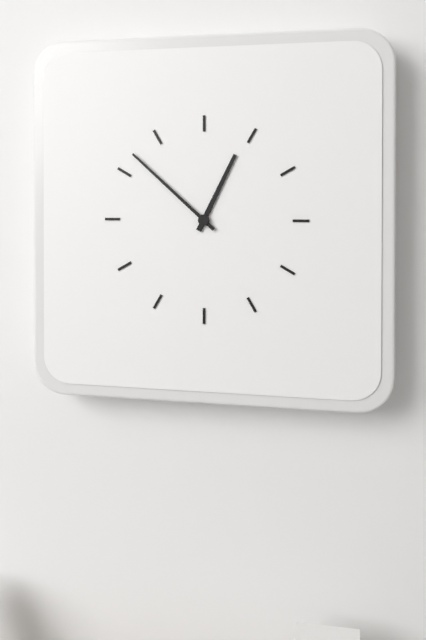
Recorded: h=12 m=52
